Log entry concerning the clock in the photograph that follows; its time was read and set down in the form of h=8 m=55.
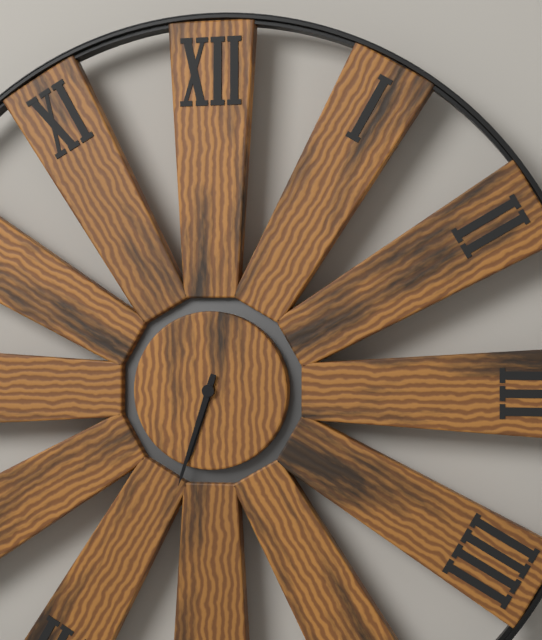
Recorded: h=6 m=33
